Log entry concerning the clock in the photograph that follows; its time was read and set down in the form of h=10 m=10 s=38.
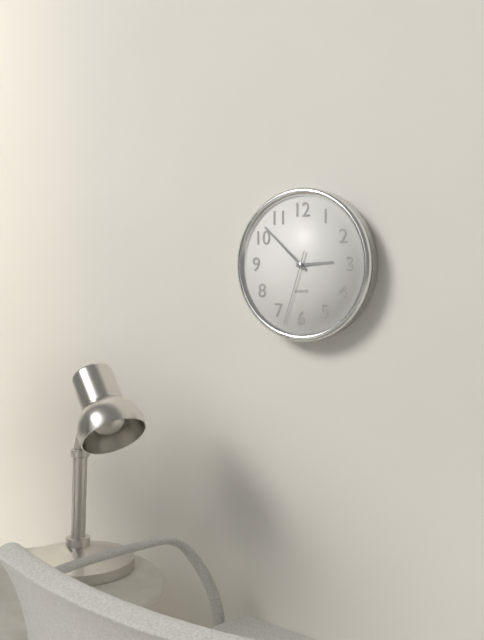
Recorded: h=2 m=52 s=33
